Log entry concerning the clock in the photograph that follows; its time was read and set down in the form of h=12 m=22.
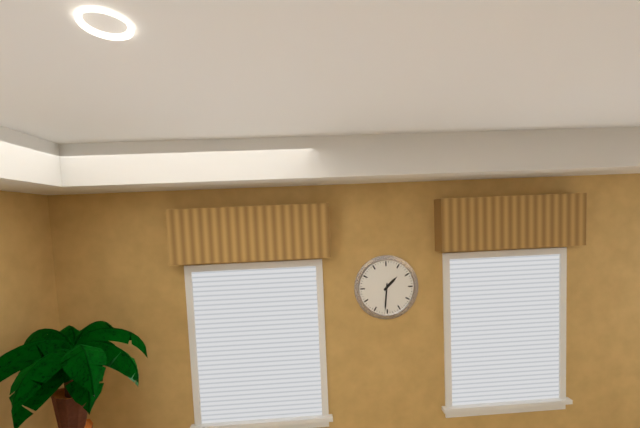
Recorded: h=1 m=31
